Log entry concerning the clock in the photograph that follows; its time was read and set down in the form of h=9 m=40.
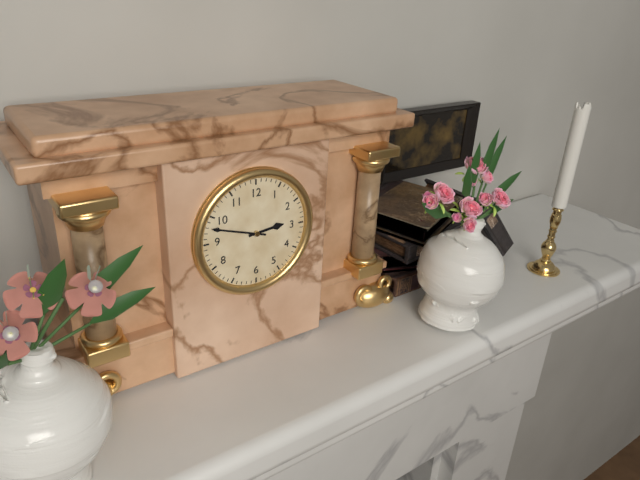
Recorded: h=2 m=48
